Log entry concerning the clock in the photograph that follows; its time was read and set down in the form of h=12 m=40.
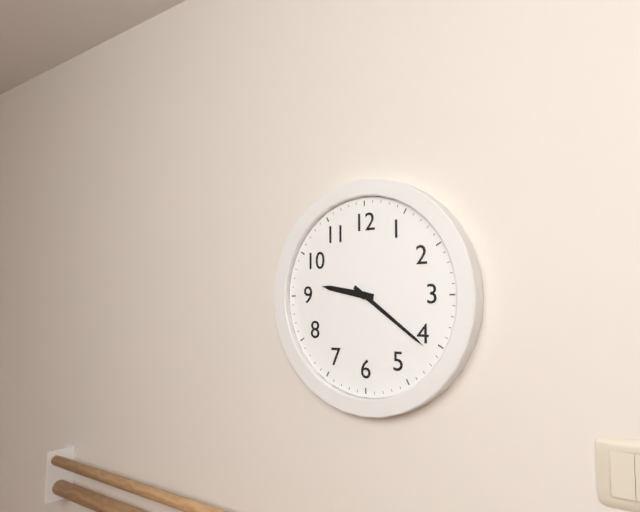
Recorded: h=9 m=21
